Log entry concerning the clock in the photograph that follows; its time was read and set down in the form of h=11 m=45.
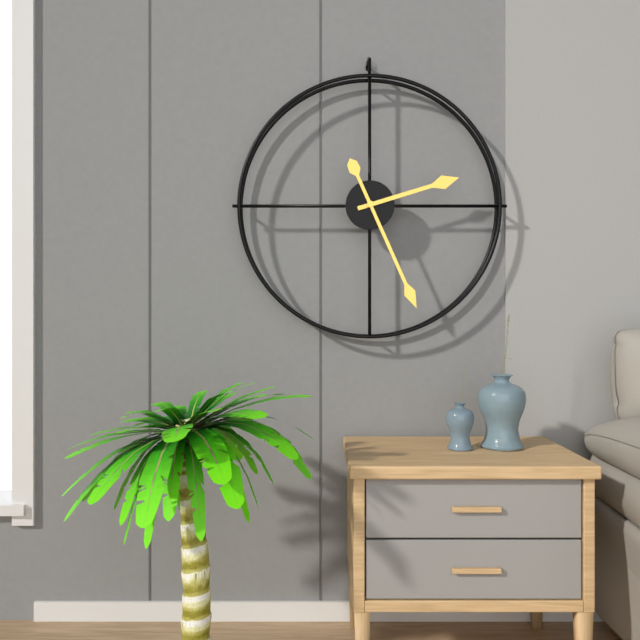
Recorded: h=2 m=26
